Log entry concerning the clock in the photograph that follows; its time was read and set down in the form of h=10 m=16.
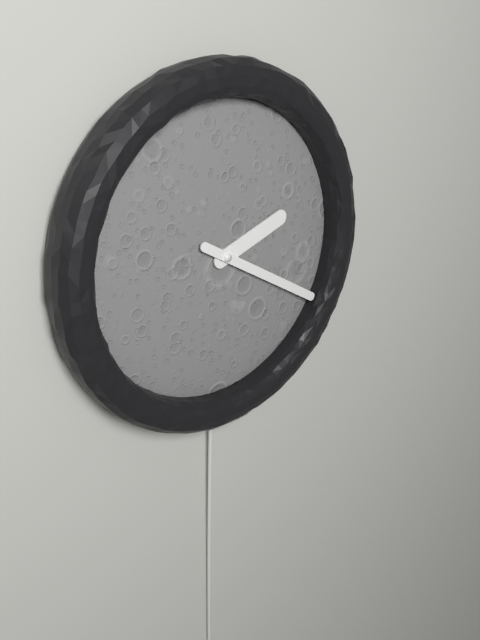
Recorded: h=2 m=20
